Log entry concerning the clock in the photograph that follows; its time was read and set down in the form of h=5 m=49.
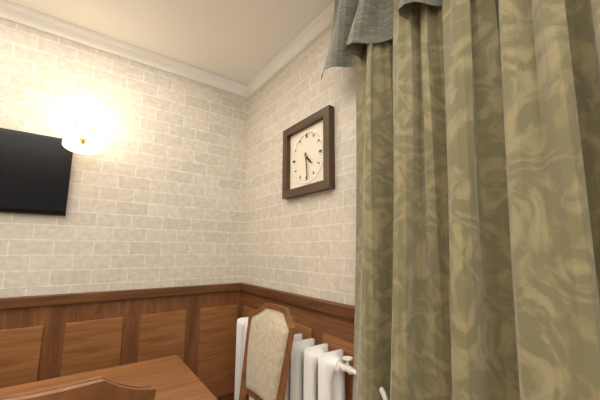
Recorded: h=4 m=29
